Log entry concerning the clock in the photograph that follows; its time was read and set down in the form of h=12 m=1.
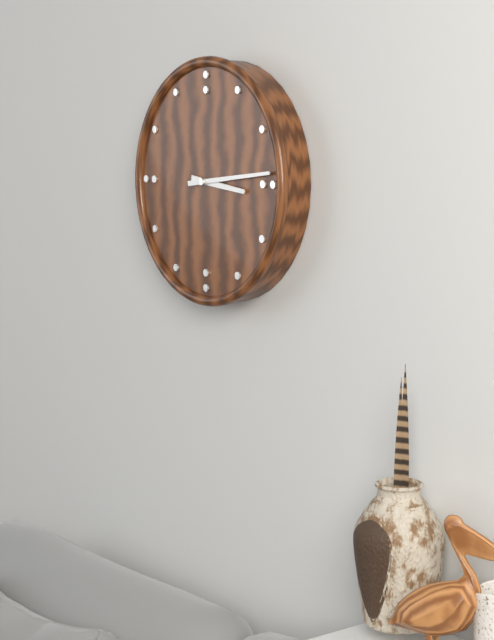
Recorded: h=3 m=14
